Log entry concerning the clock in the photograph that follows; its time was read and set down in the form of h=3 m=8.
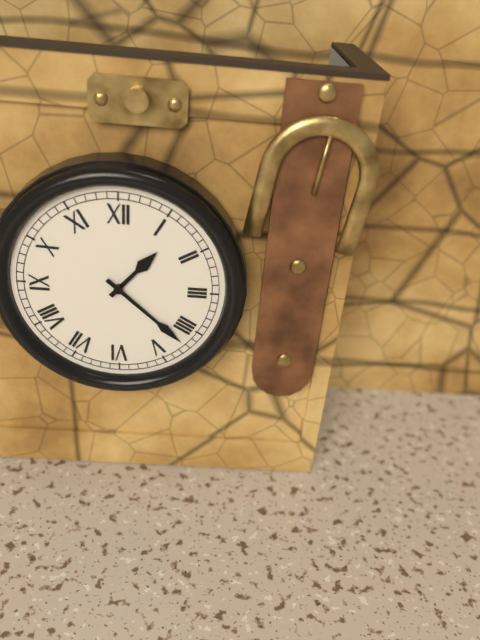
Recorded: h=1 m=22
